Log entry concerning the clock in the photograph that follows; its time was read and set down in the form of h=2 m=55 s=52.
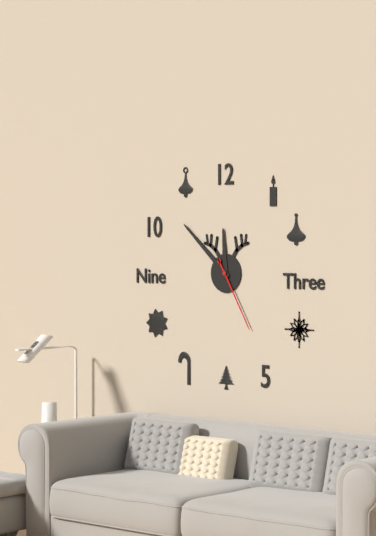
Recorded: h=11 m=52 s=25
